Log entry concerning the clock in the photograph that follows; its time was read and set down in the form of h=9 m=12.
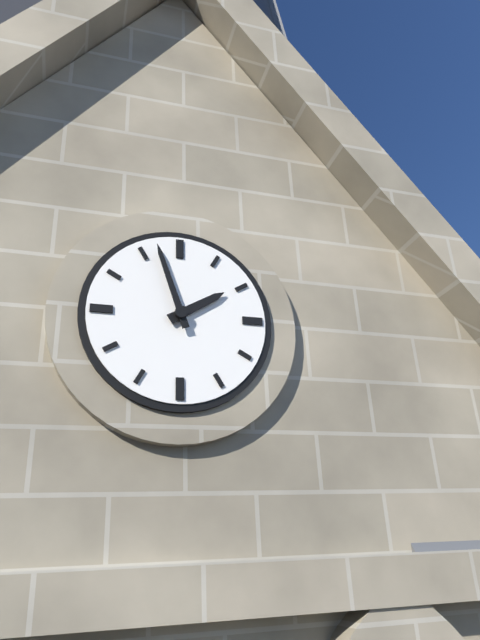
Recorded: h=1 m=57
